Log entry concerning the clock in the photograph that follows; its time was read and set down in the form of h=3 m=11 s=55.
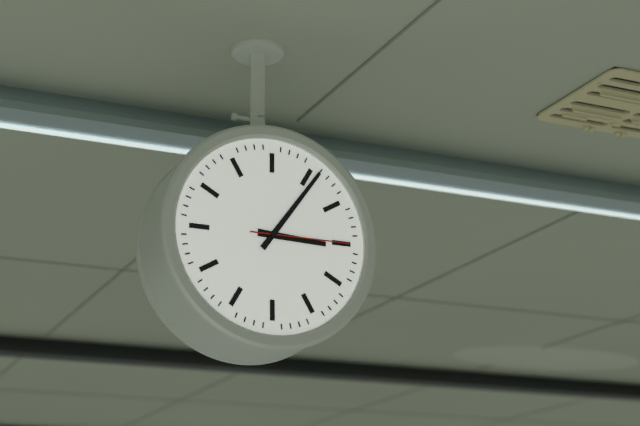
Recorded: h=3 m=6 s=15
